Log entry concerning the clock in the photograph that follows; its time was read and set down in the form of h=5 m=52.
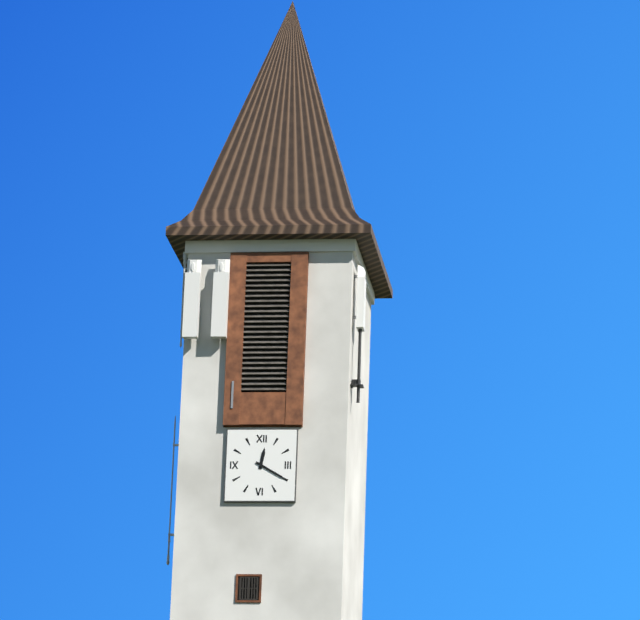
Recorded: h=12 m=20
